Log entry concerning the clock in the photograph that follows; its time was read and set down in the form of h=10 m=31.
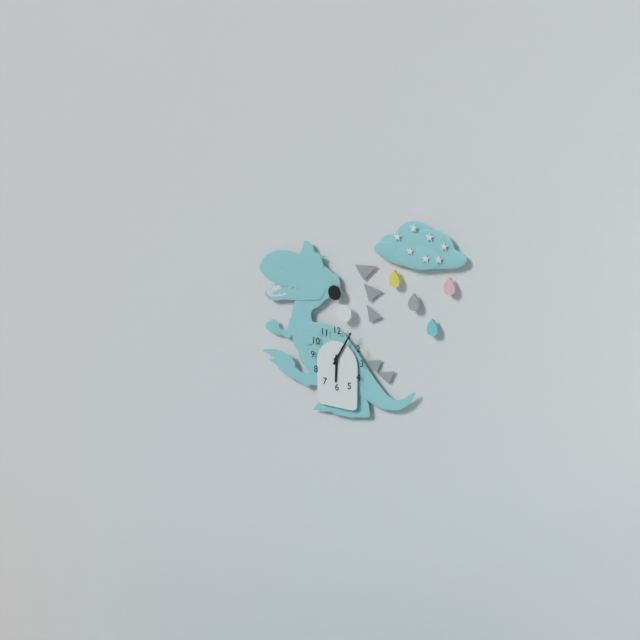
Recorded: h=6 m=5
